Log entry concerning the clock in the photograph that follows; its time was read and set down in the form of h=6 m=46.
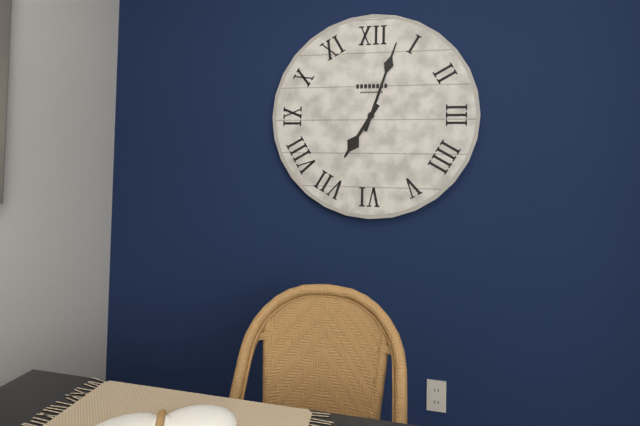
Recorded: h=7 m=3
